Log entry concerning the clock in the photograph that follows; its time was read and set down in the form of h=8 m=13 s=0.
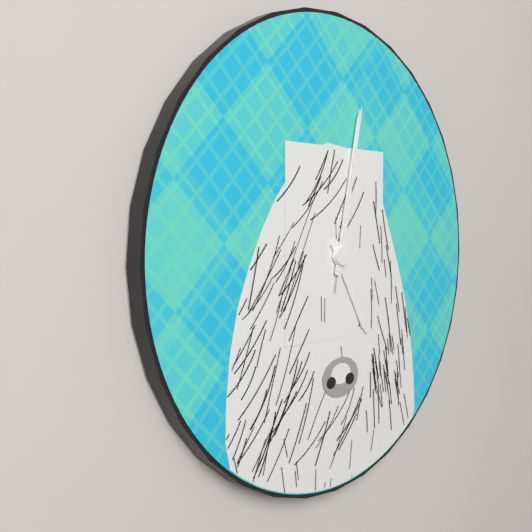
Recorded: h=5 m=2 s=2
